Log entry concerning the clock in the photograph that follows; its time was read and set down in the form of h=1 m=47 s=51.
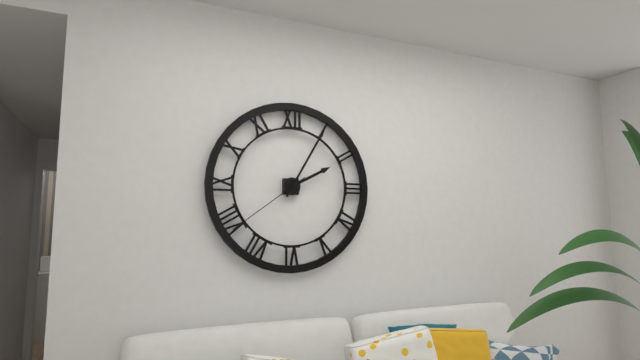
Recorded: h=2 m=5 s=39
